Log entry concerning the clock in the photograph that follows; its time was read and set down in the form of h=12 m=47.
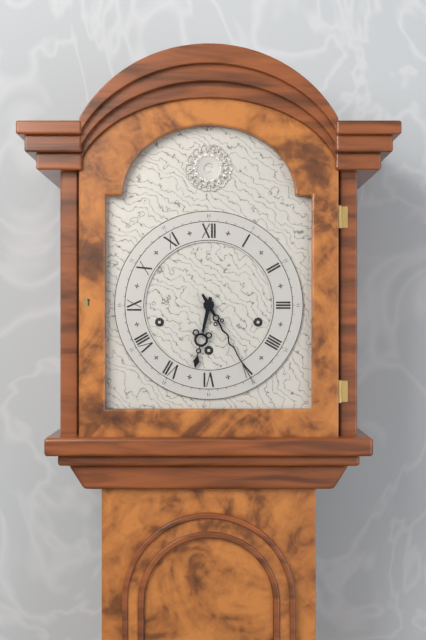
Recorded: h=6 m=25
